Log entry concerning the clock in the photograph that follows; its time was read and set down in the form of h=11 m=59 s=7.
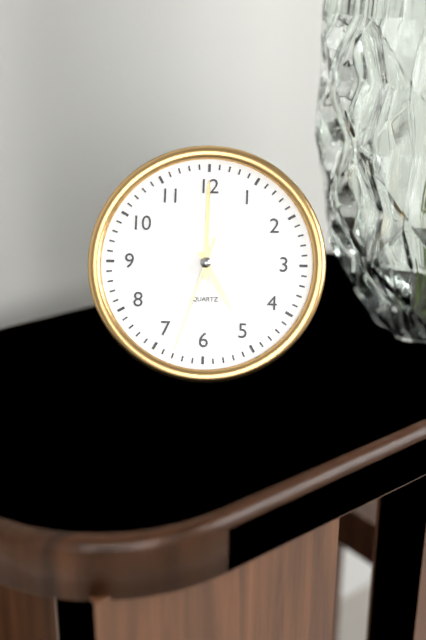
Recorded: h=5 m=0 s=33
